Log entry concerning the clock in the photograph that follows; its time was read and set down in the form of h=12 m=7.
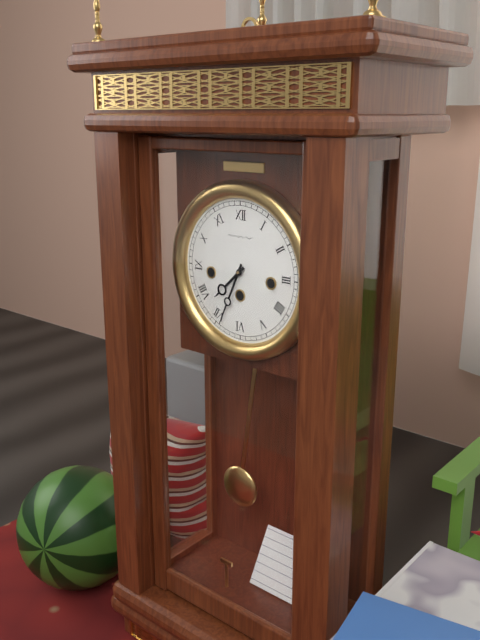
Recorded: h=7 m=34
